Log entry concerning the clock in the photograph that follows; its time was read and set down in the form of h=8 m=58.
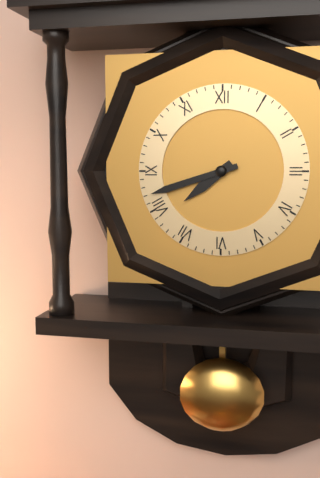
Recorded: h=7 m=42
